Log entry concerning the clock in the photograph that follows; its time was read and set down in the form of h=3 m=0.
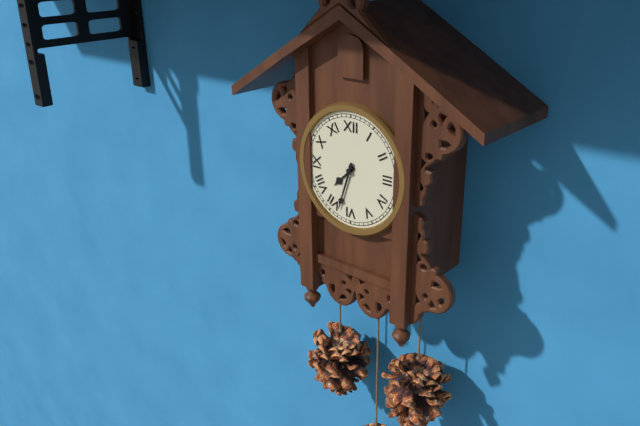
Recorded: h=7 m=33
